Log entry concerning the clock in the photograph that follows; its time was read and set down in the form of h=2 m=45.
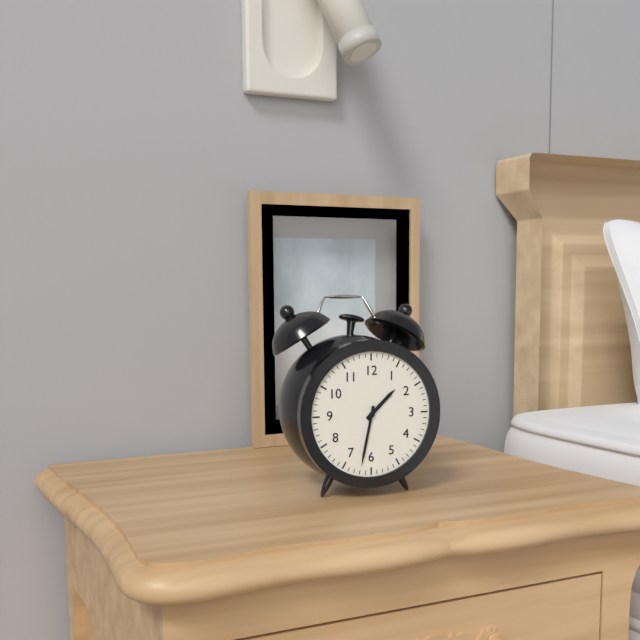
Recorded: h=1 m=32
